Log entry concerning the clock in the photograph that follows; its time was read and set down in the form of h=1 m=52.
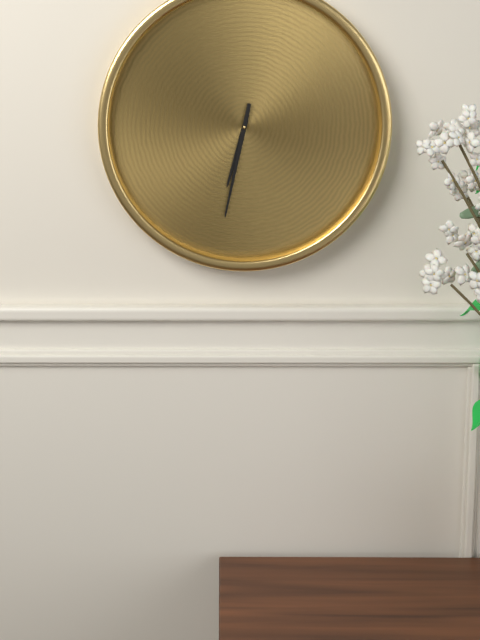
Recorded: h=6 m=32
